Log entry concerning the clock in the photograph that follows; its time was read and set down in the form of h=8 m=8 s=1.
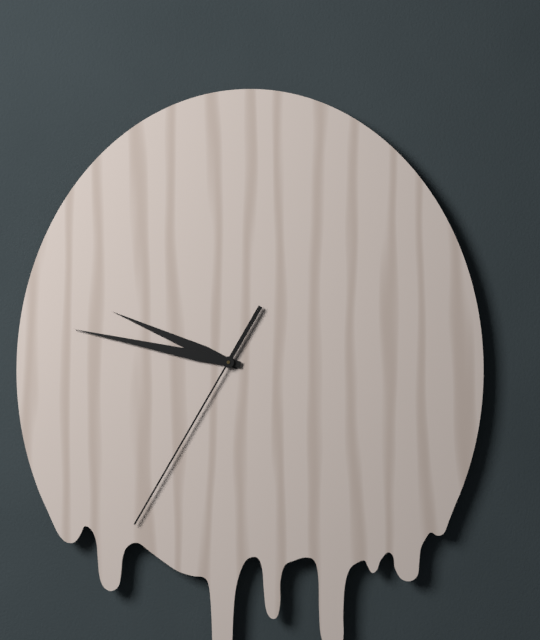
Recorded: h=9 m=47 s=35
